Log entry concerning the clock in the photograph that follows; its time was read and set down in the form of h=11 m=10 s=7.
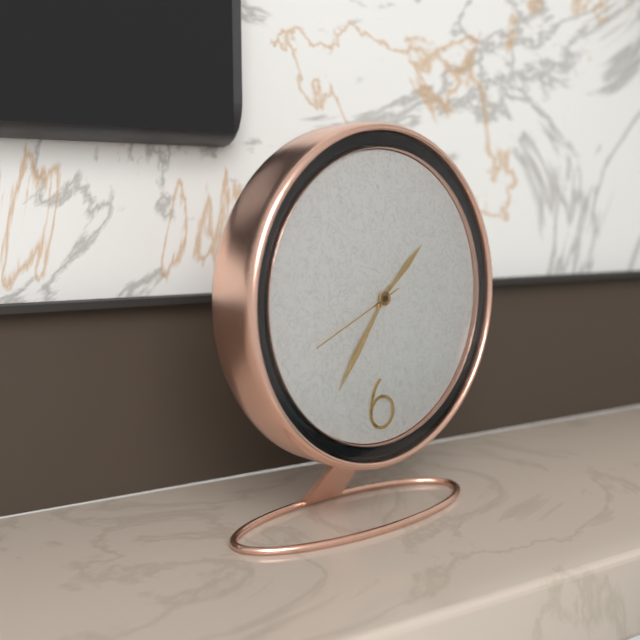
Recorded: h=1 m=36 s=41
